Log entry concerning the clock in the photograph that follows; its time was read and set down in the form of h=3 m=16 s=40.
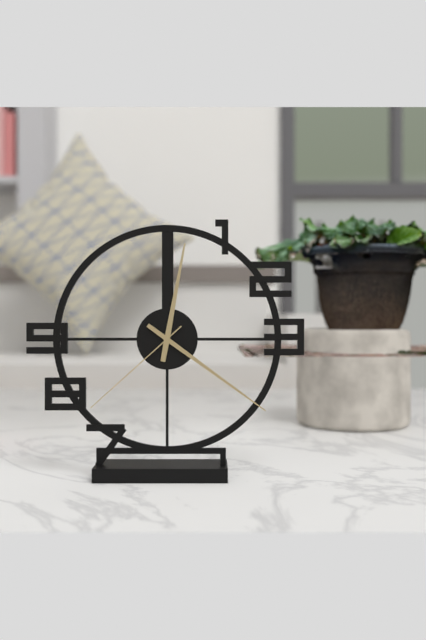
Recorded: h=12 m=21 s=38
